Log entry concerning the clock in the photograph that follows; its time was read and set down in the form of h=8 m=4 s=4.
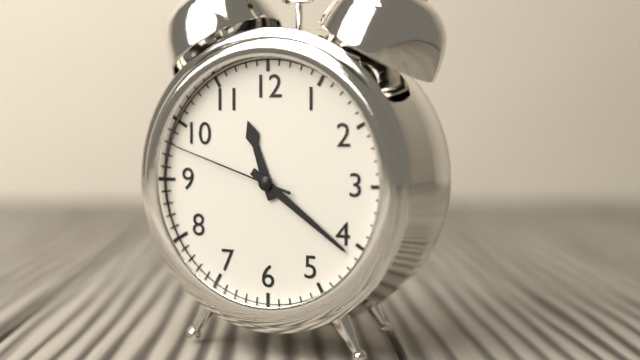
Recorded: h=11 m=21 s=48
